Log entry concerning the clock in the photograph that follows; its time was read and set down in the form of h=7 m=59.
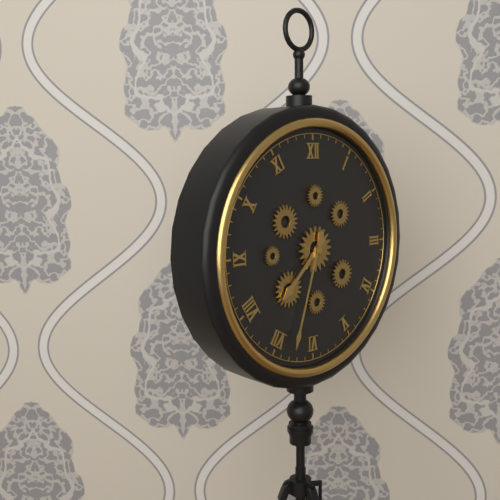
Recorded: h=7 m=33
